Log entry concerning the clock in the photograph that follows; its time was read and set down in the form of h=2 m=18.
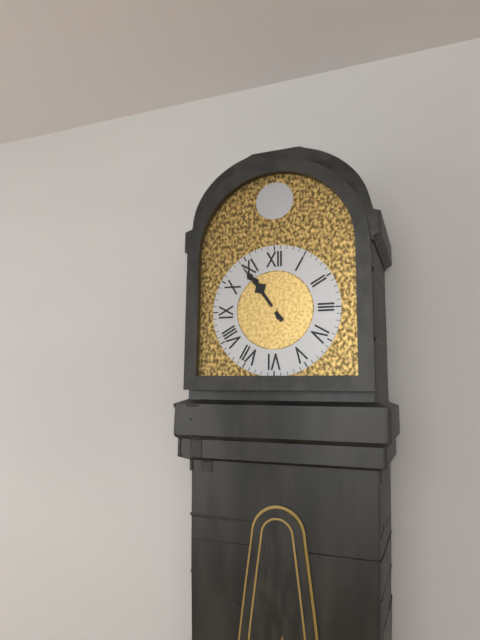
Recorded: h=10 m=54
